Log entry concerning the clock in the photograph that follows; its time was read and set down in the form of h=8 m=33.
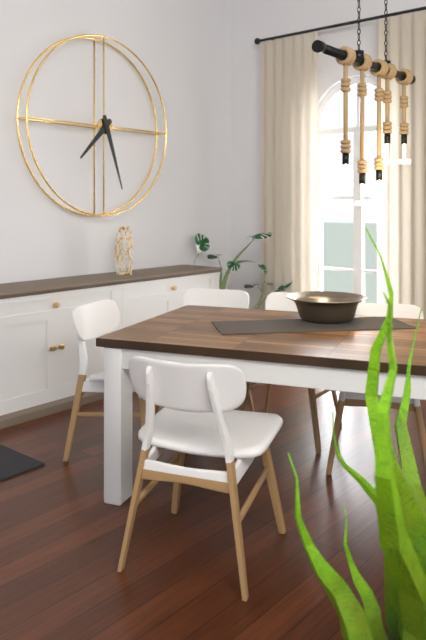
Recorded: h=7 m=27
